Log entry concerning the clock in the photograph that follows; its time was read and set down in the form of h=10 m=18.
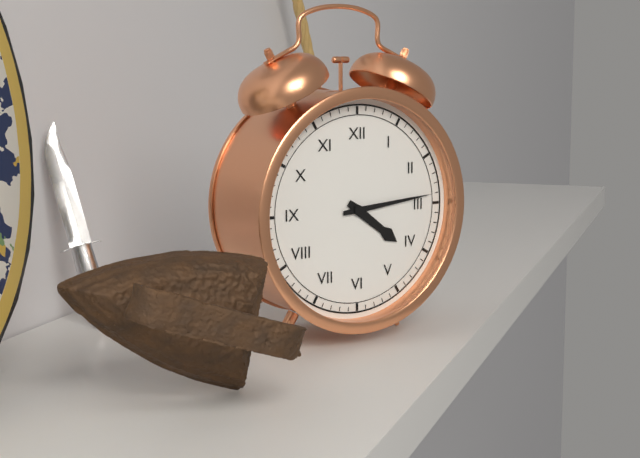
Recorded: h=4 m=14
